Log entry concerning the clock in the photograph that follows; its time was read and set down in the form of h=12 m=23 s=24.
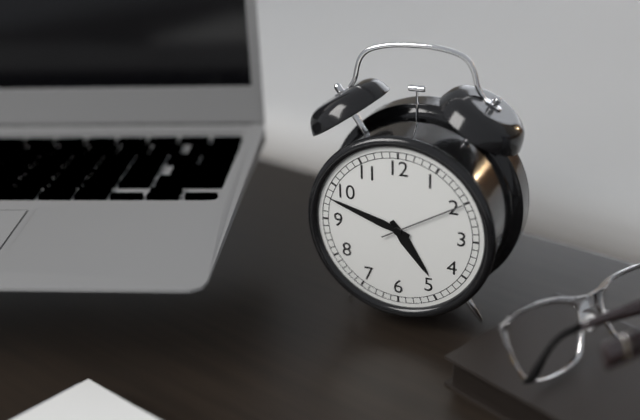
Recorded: h=4 m=48 s=10
